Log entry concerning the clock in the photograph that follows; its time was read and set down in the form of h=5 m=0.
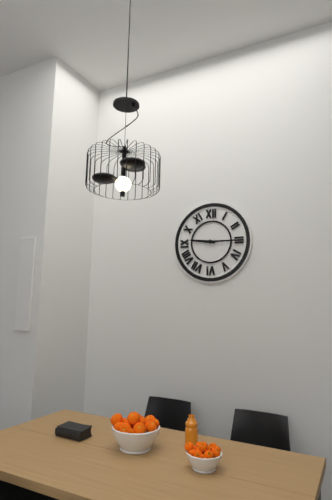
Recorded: h=9 m=15
